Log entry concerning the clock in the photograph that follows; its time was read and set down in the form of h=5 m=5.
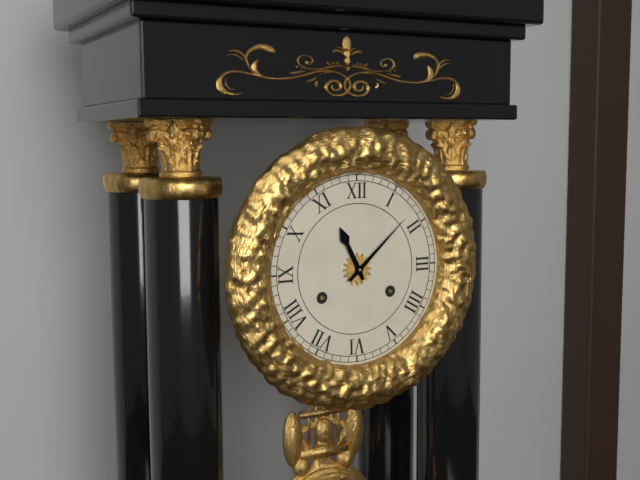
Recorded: h=11 m=8
